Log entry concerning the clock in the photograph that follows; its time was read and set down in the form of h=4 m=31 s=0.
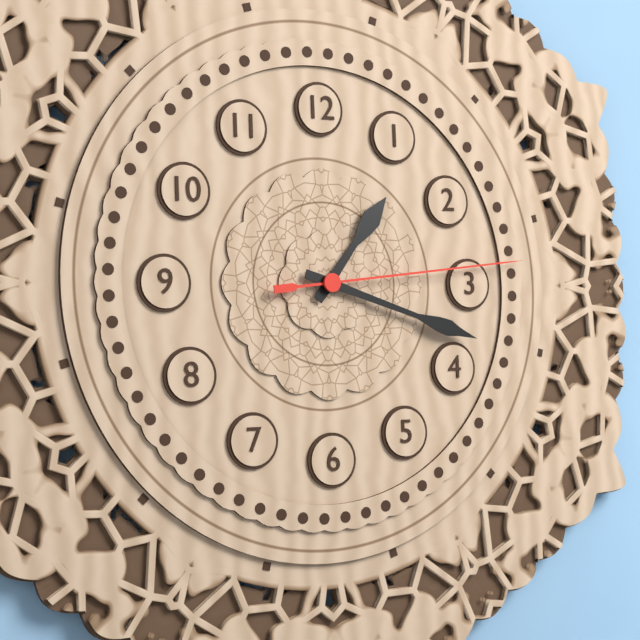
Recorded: h=1 m=18 s=14
